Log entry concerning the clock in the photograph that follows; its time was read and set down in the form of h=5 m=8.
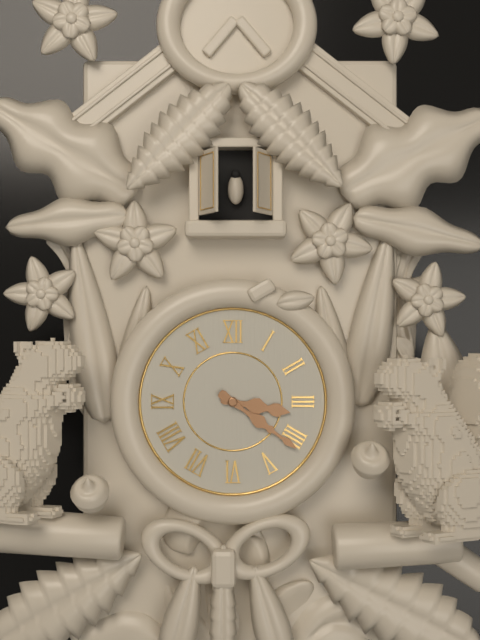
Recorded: h=3 m=21
